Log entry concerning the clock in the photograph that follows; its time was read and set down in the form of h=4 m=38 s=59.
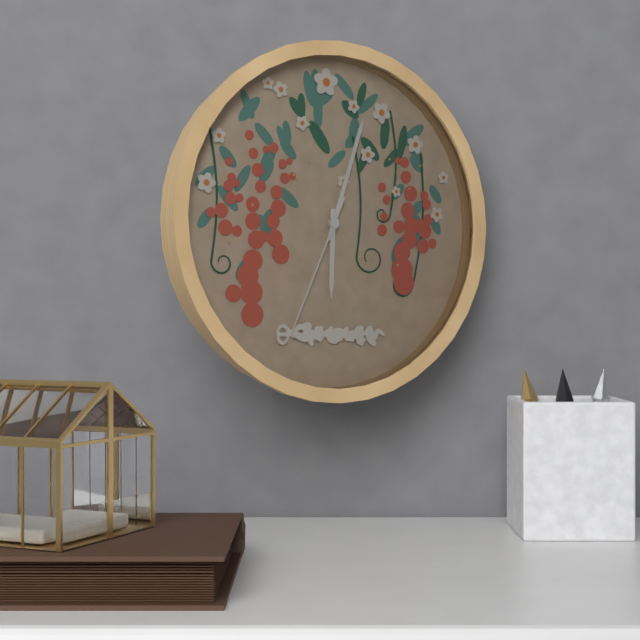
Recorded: h=6 m=3 s=34
